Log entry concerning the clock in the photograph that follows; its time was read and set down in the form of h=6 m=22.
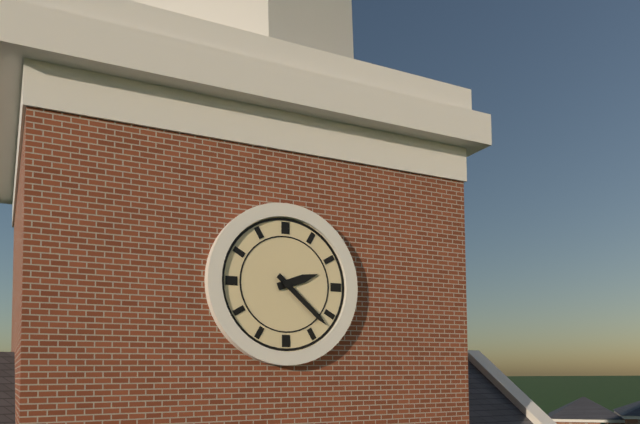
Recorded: h=2 m=22
